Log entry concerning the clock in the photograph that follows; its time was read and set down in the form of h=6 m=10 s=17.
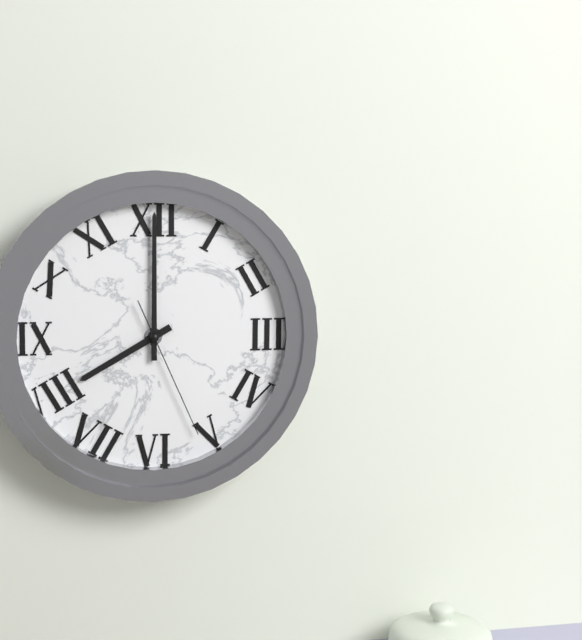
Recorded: h=8 m=0 s=26
